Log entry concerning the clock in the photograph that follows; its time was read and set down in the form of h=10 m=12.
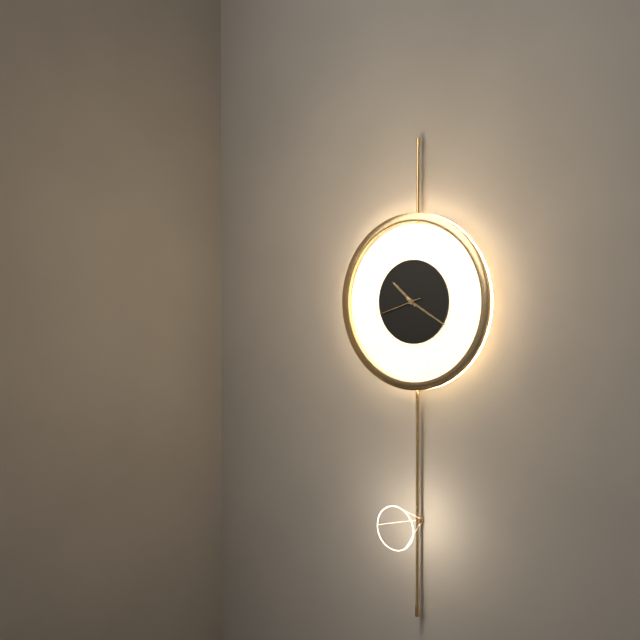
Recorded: h=10 m=20
